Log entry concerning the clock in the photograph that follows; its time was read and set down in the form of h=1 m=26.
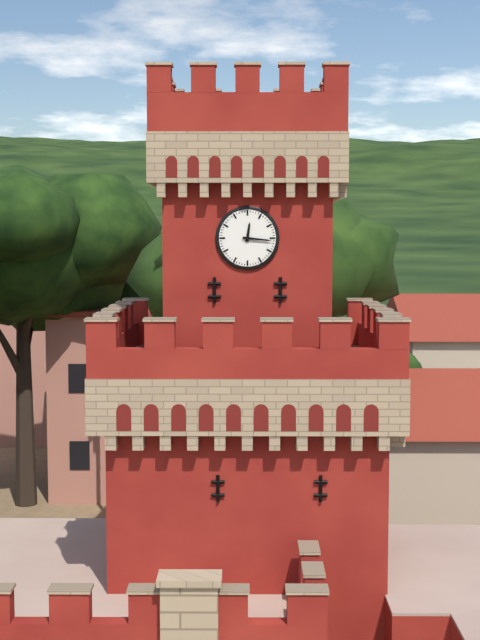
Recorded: h=12 m=16
